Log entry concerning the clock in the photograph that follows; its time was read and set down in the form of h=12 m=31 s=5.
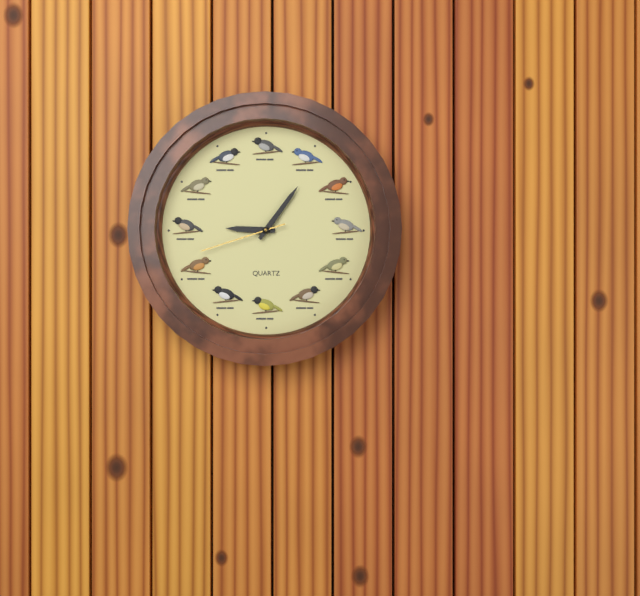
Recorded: h=9 m=6 s=42
